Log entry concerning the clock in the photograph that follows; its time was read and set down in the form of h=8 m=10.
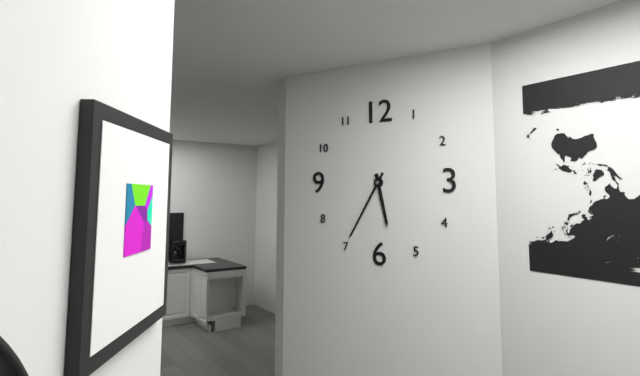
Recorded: h=5 m=35
